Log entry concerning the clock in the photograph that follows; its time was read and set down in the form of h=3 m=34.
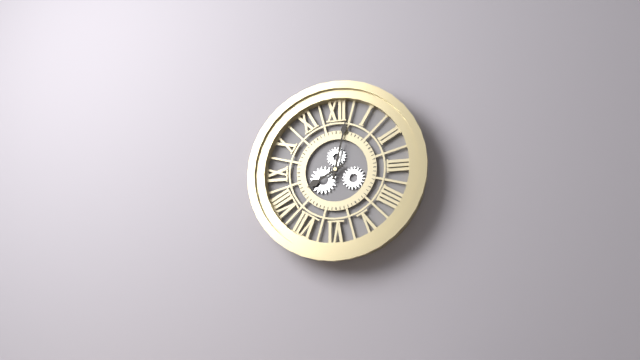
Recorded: h=8 m=2
